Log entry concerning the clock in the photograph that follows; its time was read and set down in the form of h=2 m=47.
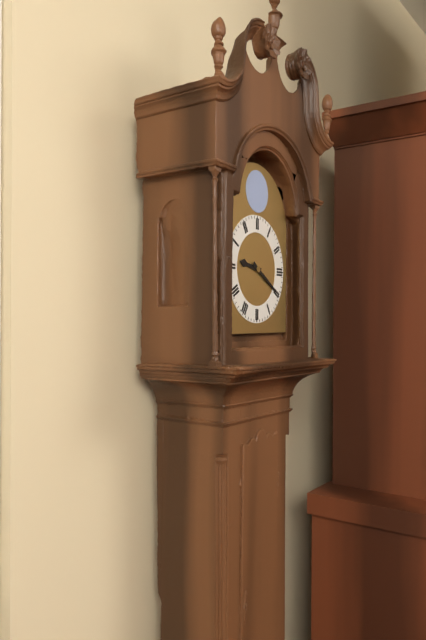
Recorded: h=9 m=20
